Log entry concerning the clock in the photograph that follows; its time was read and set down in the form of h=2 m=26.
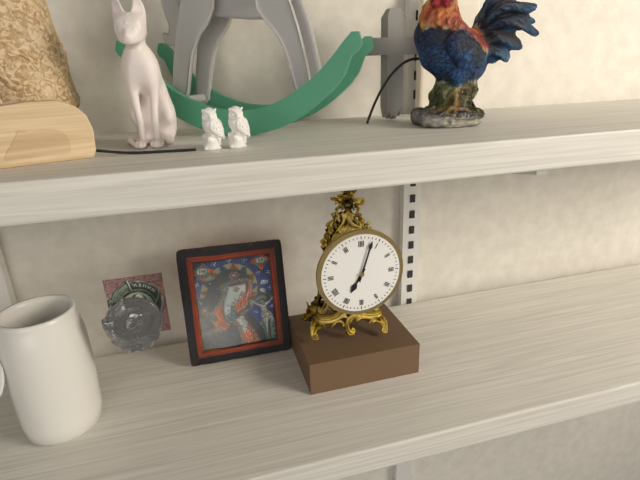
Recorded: h=7 m=3
